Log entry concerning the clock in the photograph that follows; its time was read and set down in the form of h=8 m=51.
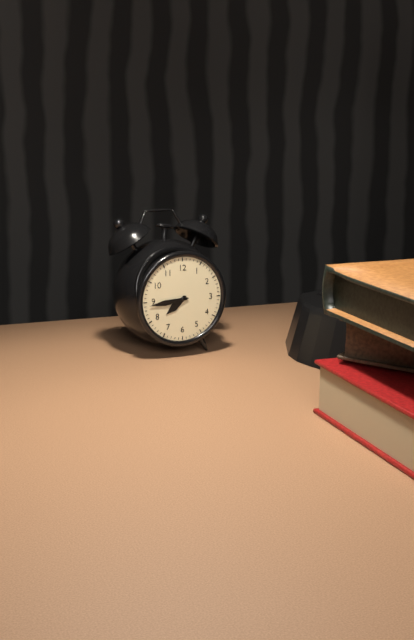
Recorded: h=7 m=44
